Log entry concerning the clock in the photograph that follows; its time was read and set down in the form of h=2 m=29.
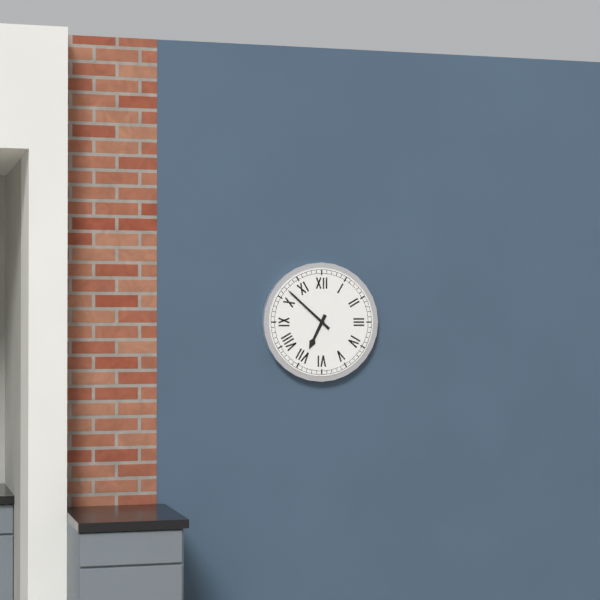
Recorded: h=6 m=52
